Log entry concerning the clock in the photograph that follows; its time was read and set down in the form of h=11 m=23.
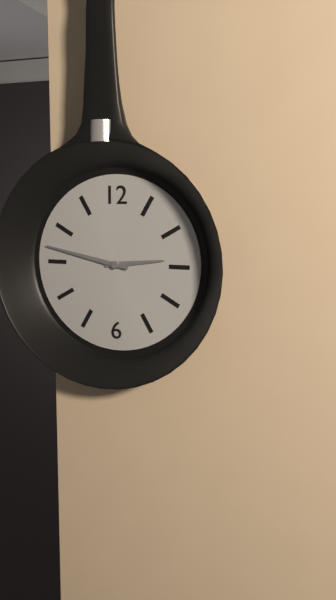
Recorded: h=2 m=47
